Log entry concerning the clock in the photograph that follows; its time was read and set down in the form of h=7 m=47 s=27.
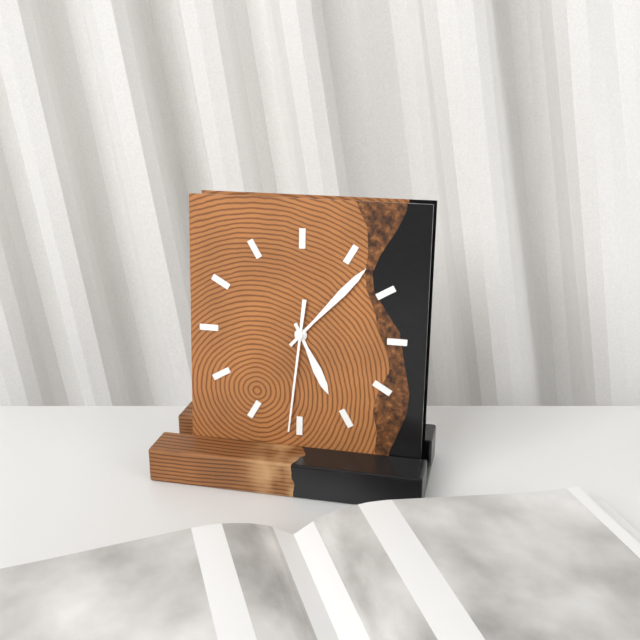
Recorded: h=5 m=7 s=31
